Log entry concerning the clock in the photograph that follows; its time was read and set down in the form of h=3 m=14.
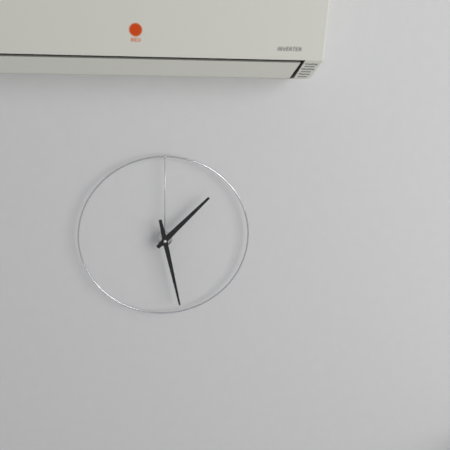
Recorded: h=1 m=28
